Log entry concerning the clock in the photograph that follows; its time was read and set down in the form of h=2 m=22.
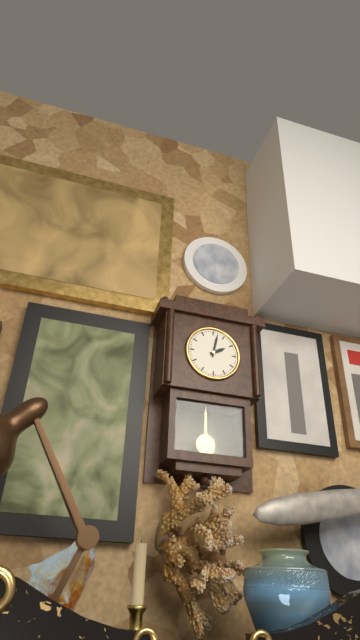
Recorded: h=2 m=2
